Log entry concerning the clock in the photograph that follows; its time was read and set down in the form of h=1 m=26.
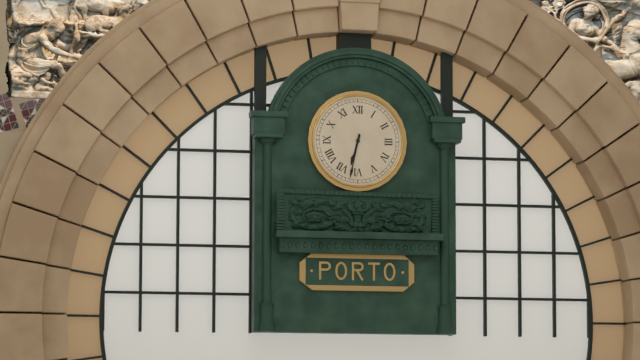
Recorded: h=6 m=32
